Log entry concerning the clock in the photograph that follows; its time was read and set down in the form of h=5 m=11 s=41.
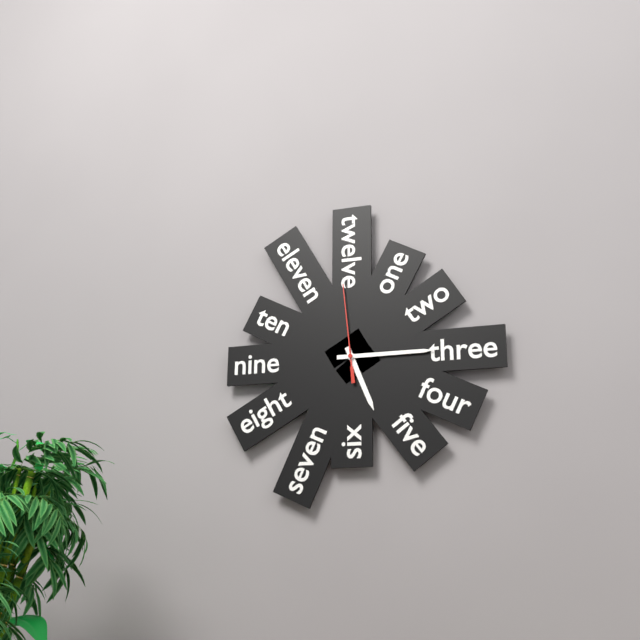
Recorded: h=5 m=15 s=59
